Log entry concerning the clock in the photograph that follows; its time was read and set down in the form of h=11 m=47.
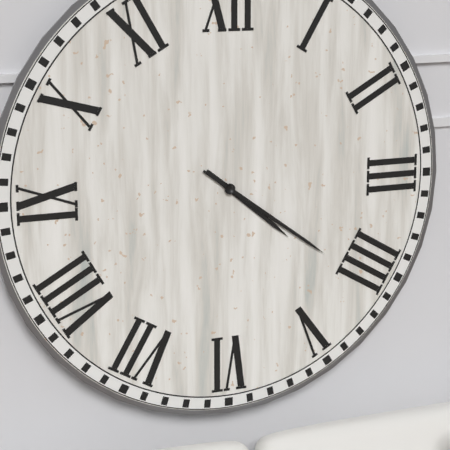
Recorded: h=4 m=21
